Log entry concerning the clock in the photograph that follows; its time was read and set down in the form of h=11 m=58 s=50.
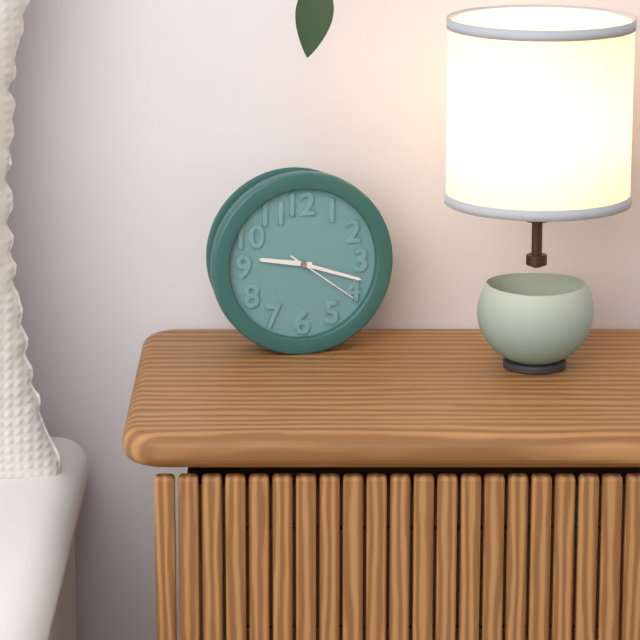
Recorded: h=9 m=18 s=21
